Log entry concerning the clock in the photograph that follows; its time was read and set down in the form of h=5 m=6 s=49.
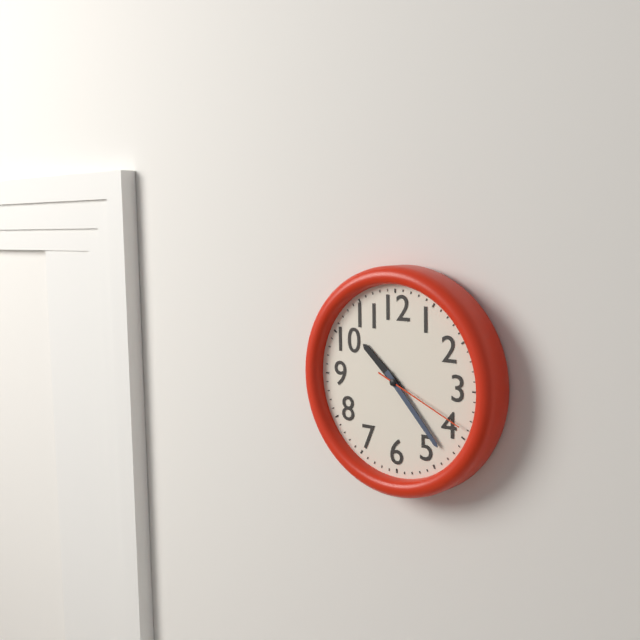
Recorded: h=10 m=23 s=19
